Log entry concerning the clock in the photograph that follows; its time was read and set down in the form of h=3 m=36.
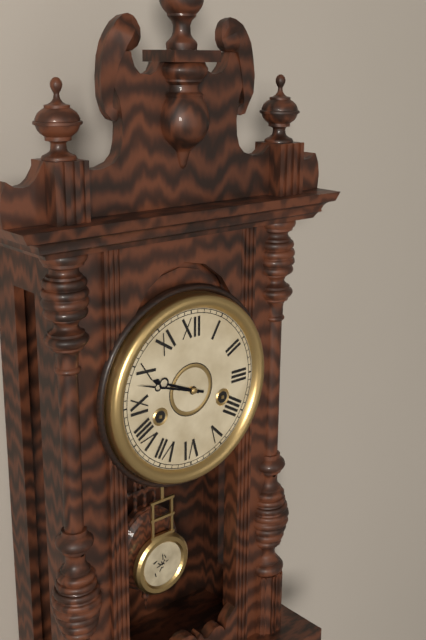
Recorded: h=9 m=48
